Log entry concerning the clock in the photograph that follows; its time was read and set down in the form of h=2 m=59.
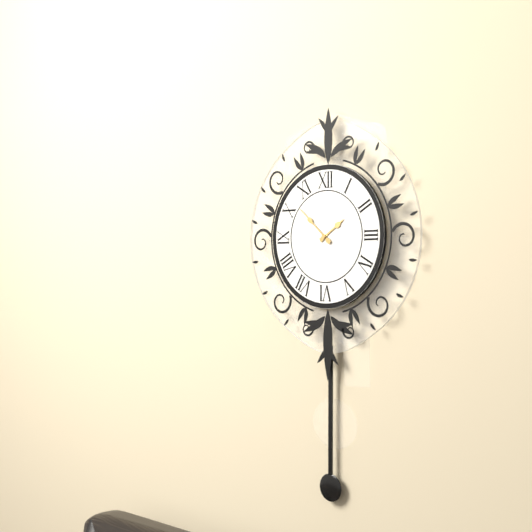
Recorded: h=1 m=52
